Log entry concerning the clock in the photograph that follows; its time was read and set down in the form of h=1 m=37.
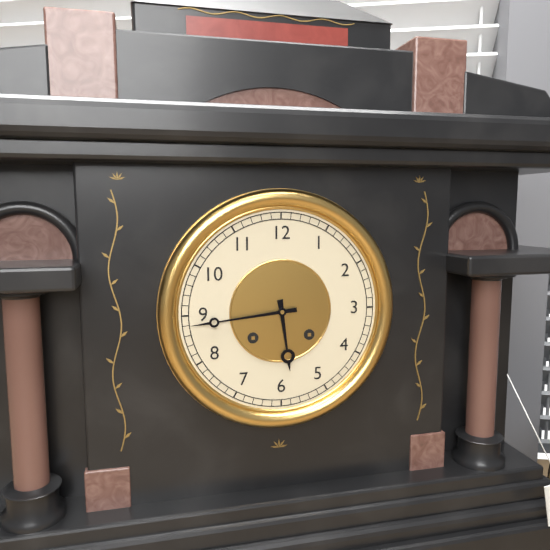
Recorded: h=5 m=44
